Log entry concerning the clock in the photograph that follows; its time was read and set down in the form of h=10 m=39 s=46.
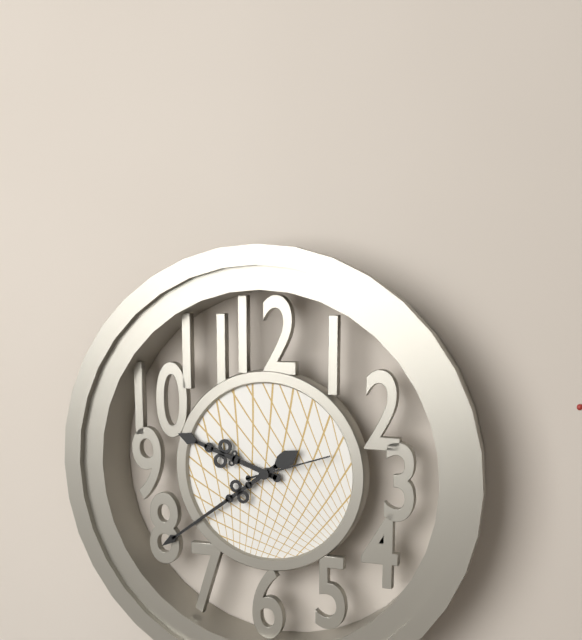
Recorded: h=9 m=39 s=12
